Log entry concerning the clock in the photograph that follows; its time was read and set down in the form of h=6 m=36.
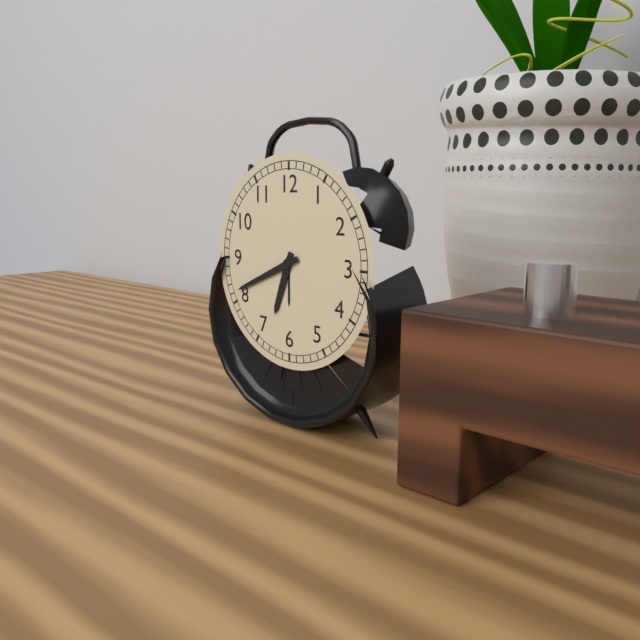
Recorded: h=6 m=41
